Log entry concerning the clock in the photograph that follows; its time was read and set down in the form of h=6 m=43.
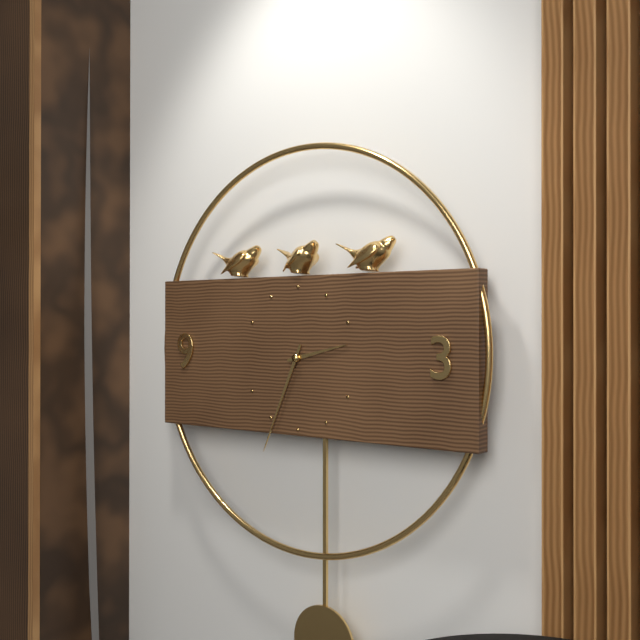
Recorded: h=2 m=34
